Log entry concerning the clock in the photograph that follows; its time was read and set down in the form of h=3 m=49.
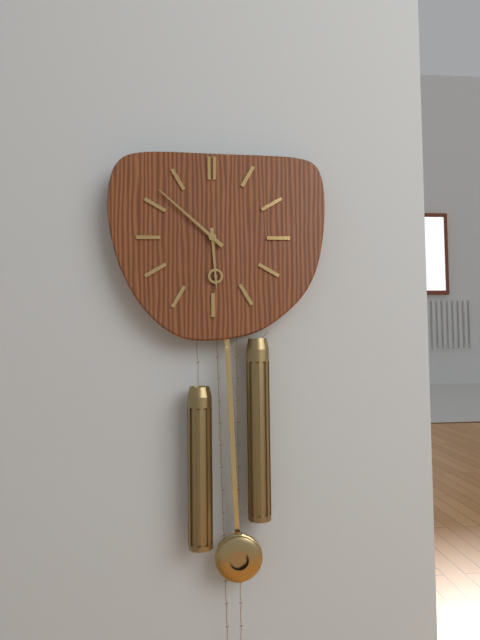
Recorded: h=5 m=52
